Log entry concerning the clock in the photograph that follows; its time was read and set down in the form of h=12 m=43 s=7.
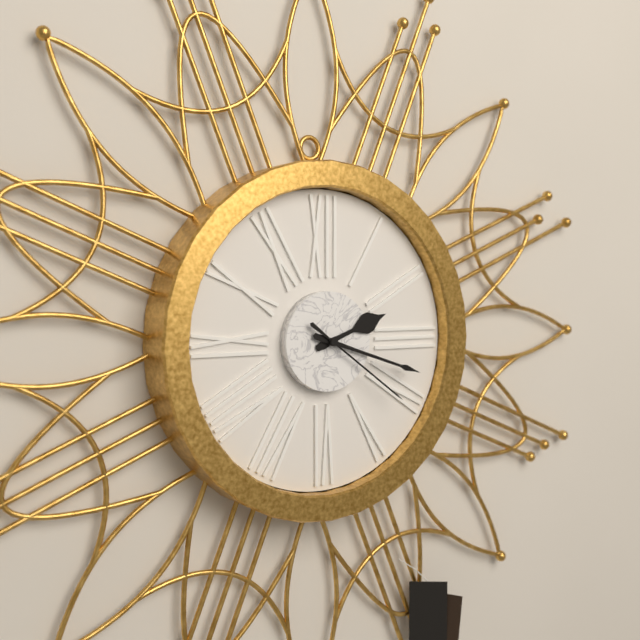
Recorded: h=2 m=18 s=21
